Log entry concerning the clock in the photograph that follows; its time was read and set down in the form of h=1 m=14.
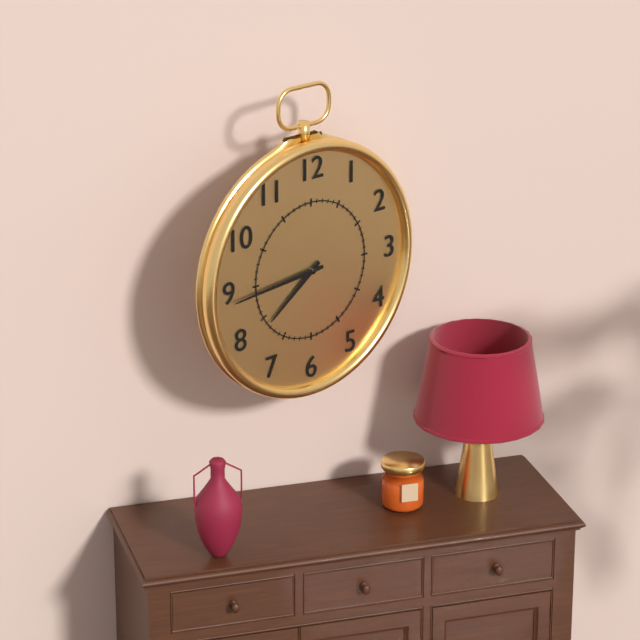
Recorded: h=7 m=44
